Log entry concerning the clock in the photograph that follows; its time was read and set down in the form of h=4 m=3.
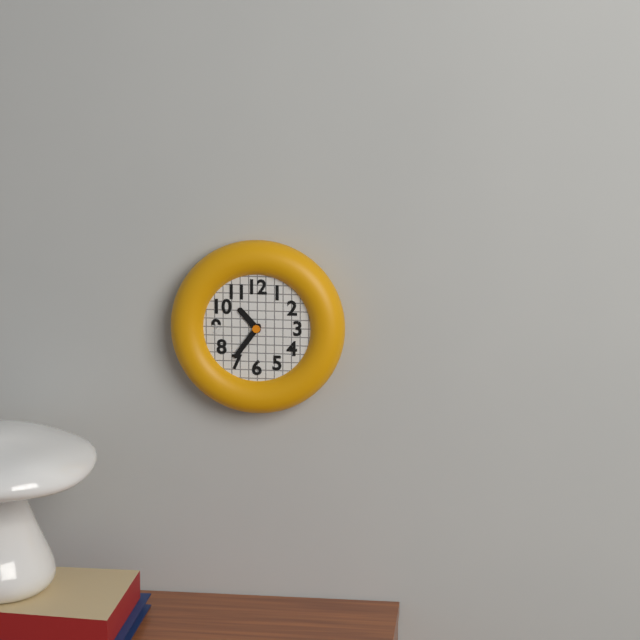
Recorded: h=10 m=36
